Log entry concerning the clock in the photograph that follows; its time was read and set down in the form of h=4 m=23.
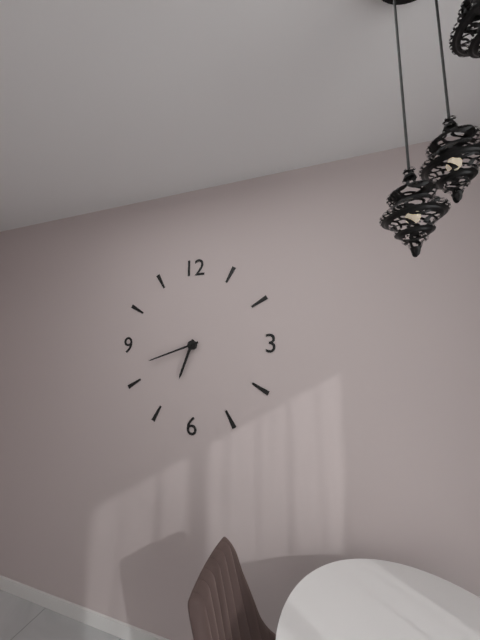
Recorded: h=6 m=42
